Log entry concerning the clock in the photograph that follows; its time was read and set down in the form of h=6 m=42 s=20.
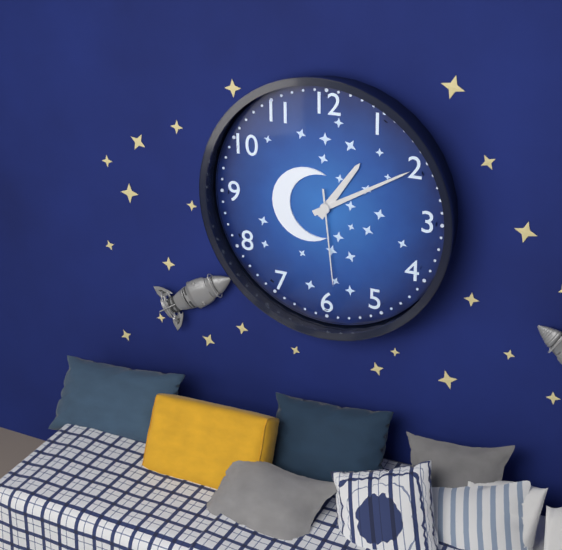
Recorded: h=1 m=10 s=29
